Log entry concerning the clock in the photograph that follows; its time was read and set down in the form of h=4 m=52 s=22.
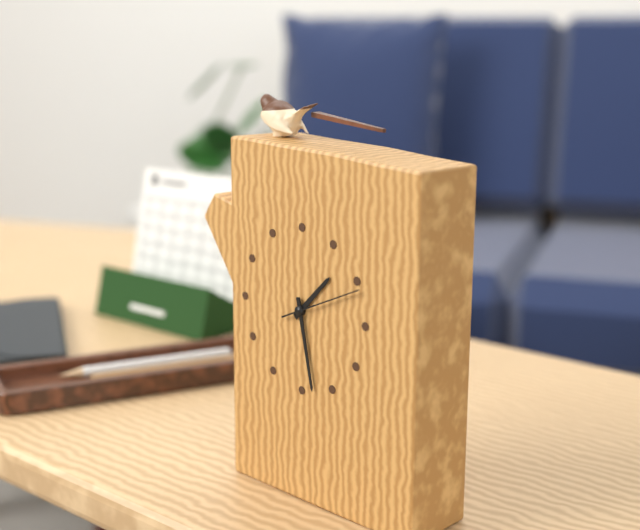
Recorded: h=1 m=28 s=11
